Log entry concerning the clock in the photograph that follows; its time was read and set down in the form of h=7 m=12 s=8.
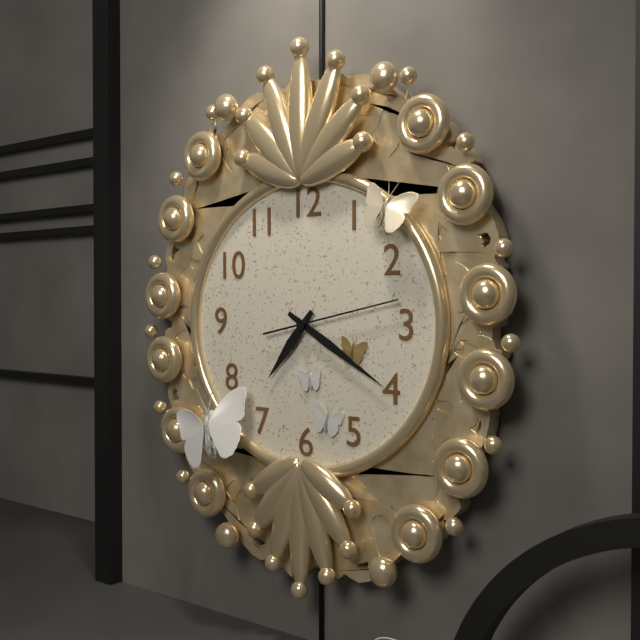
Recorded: h=7 m=20 s=13
